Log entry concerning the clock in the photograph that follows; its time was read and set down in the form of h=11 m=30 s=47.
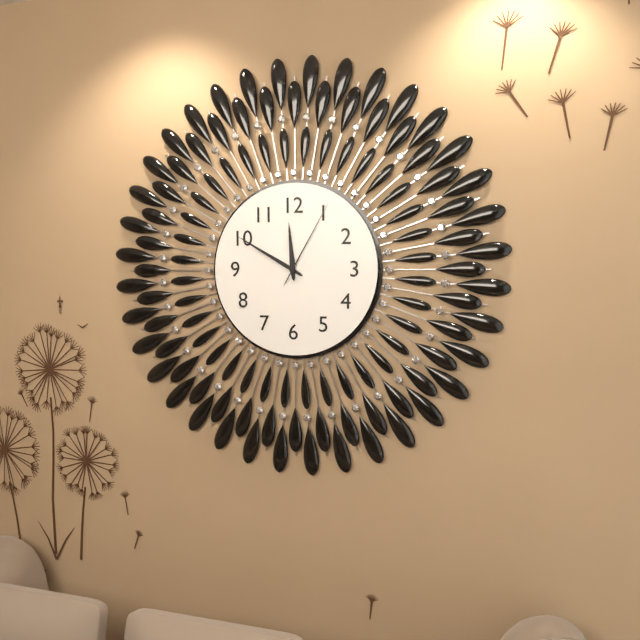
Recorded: h=11 m=50 s=5
